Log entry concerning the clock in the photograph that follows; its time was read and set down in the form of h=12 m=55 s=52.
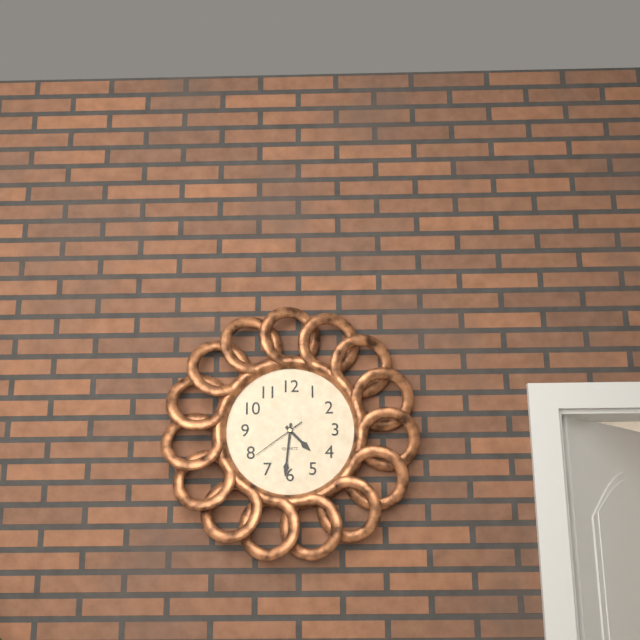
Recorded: h=4 m=31 s=39
